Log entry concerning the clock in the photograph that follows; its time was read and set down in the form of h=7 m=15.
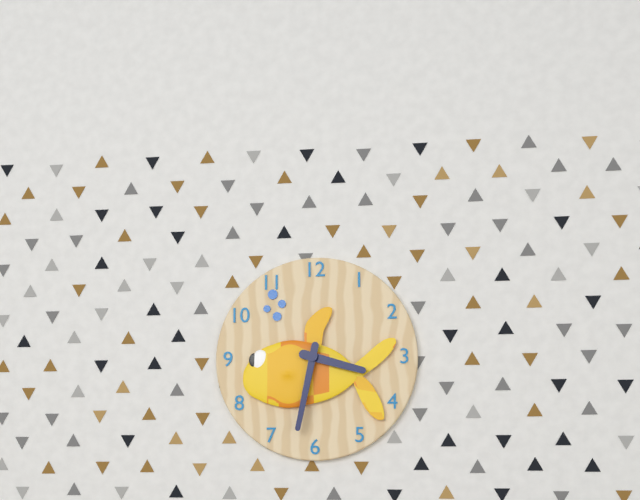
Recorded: h=3 m=32
